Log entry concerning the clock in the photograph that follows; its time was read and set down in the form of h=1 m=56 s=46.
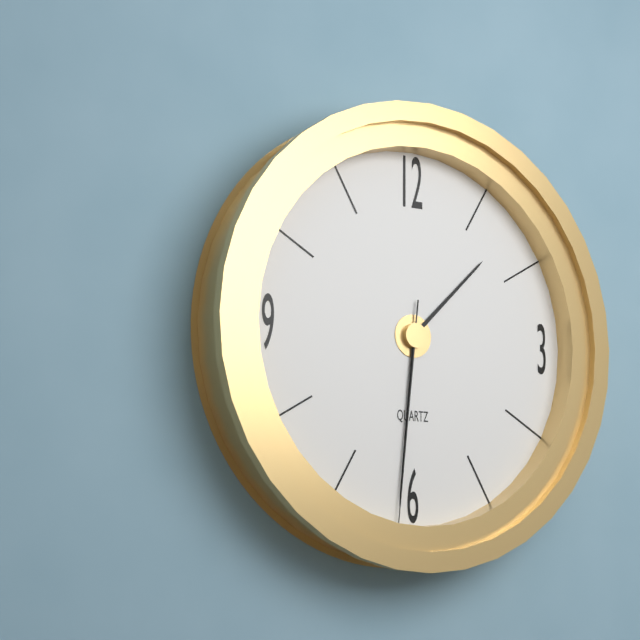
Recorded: h=1 m=31 s=31
